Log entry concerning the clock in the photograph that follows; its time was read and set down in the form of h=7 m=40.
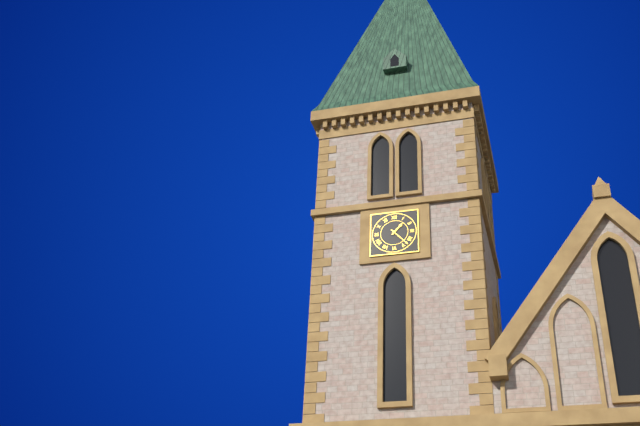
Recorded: h=1 m=23
